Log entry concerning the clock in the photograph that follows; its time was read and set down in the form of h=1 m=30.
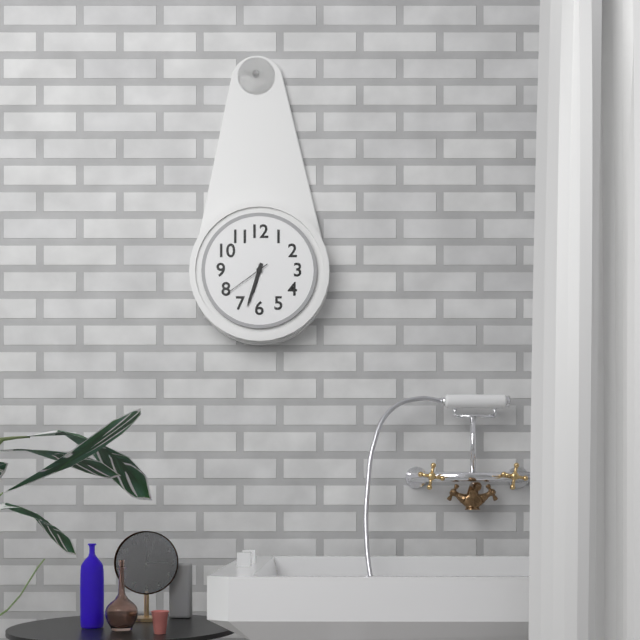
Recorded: h=6 m=33
